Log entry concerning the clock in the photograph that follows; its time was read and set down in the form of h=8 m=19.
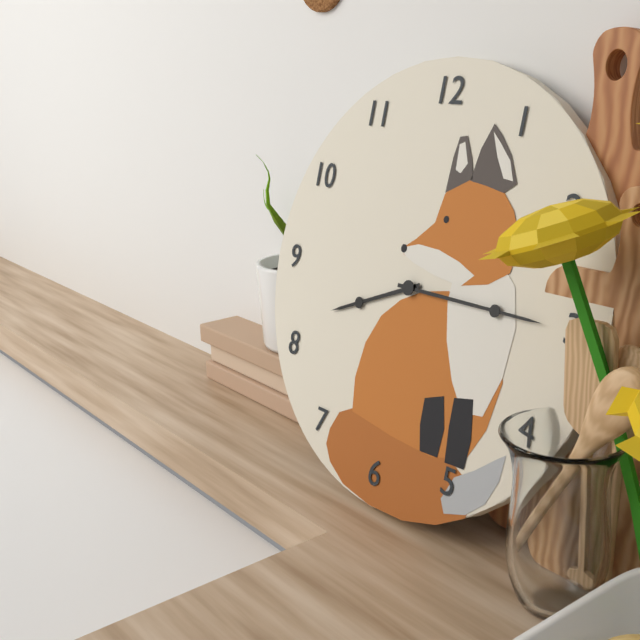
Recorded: h=8 m=15
